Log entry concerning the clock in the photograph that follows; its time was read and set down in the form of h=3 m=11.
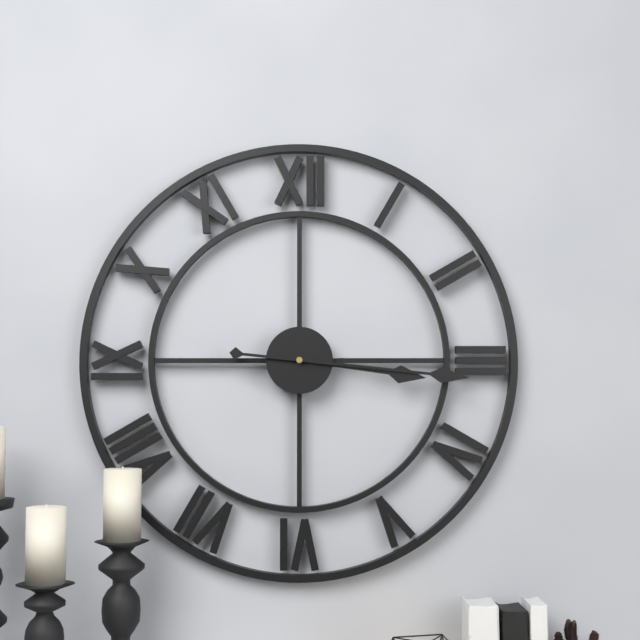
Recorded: h=3 m=16
